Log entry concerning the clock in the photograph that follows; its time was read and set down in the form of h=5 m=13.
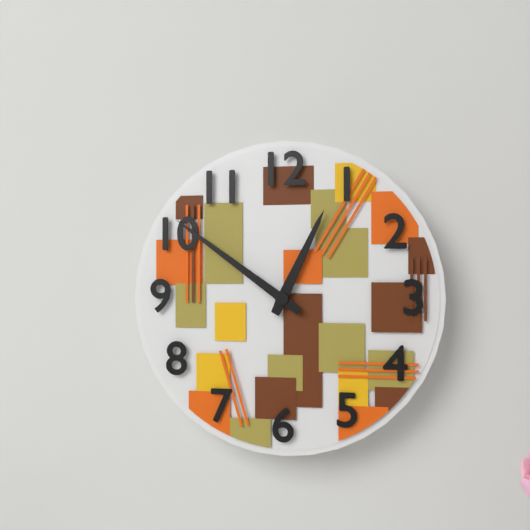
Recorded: h=12 m=51
